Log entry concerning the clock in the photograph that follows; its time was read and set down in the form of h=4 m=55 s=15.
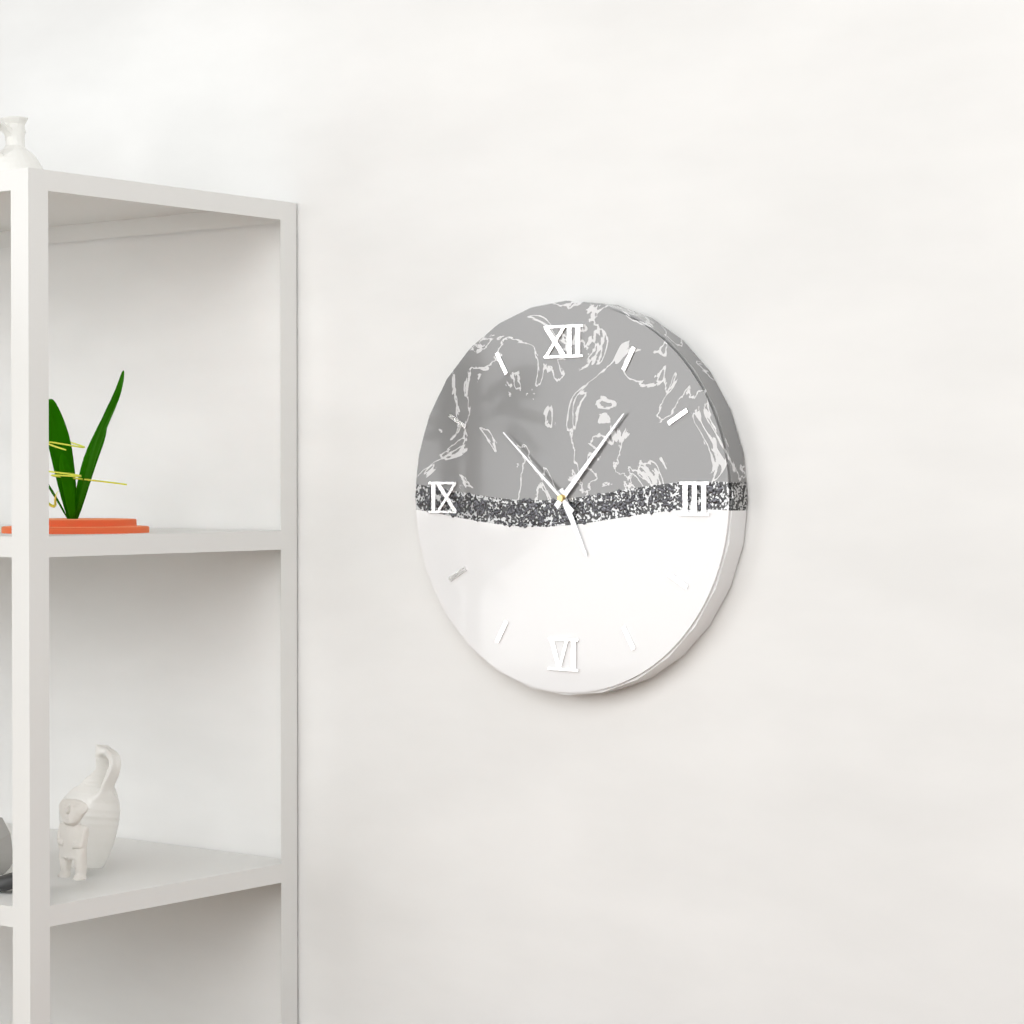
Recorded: h=5 m=7 s=52
